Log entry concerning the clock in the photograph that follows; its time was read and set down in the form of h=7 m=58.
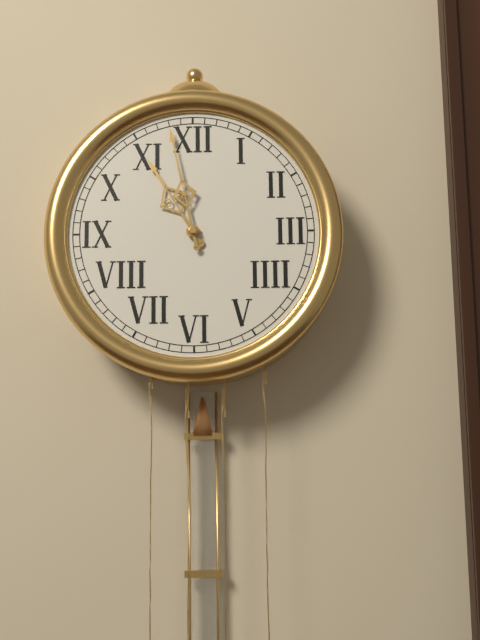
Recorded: h=10 m=58
